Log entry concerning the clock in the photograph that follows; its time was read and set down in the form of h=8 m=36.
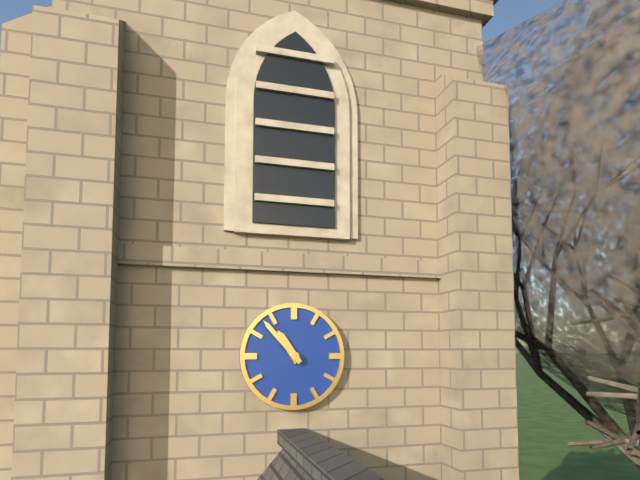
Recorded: h=10 m=53
